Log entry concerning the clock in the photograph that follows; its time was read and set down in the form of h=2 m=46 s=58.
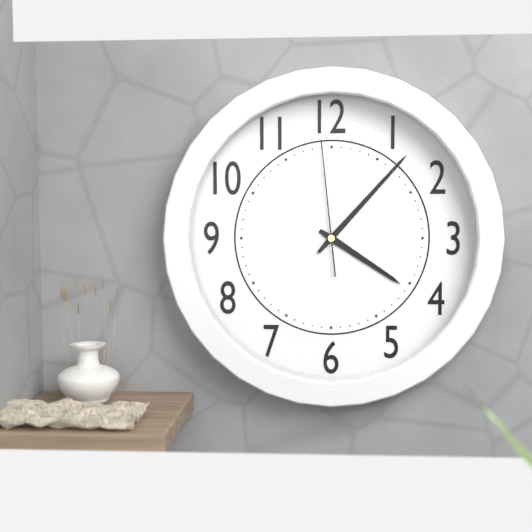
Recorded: h=4 m=7 s=59
